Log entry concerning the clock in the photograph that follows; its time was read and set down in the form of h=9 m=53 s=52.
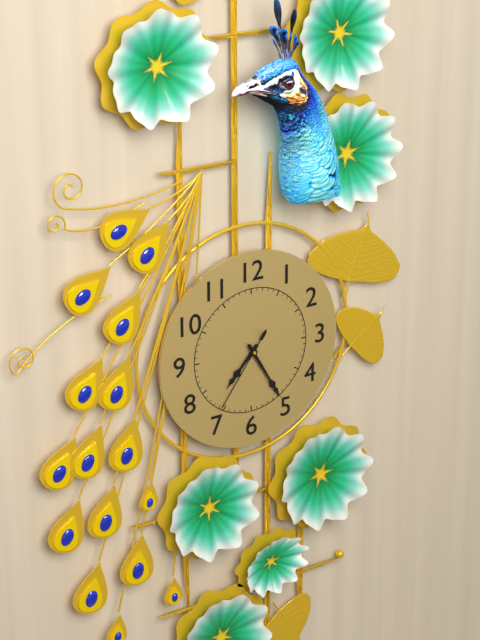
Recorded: h=7 m=25 s=36
